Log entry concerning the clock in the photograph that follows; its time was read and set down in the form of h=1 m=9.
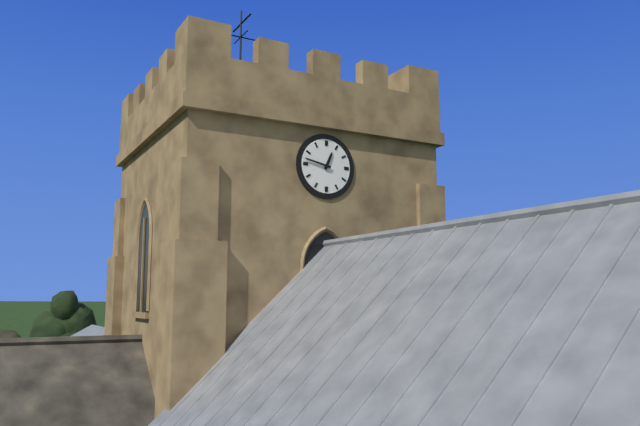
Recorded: h=12 m=47
